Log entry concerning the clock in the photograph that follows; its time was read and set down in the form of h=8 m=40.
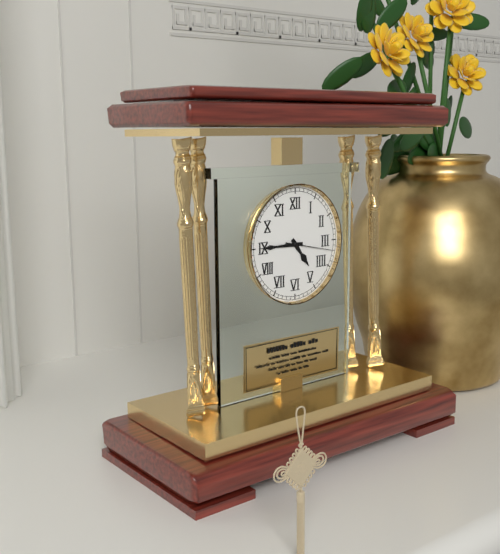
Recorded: h=4 m=45
